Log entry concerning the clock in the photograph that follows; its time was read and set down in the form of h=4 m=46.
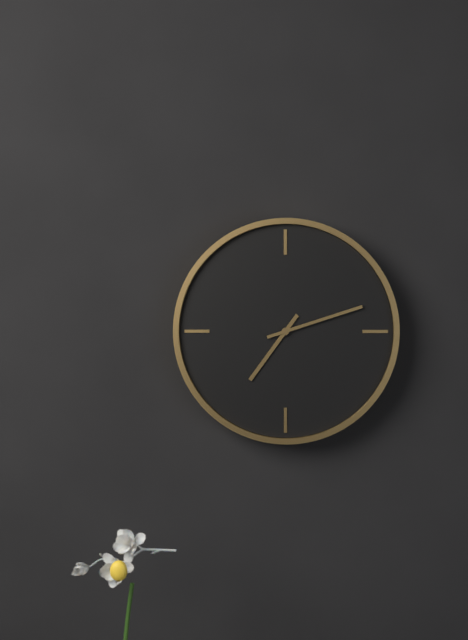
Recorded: h=7 m=12
